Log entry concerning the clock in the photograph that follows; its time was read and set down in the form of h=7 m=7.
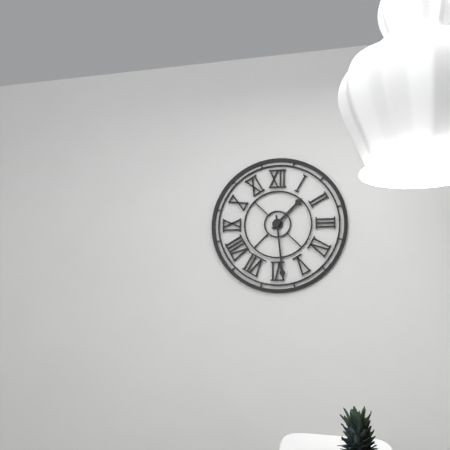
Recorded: h=1 m=29
